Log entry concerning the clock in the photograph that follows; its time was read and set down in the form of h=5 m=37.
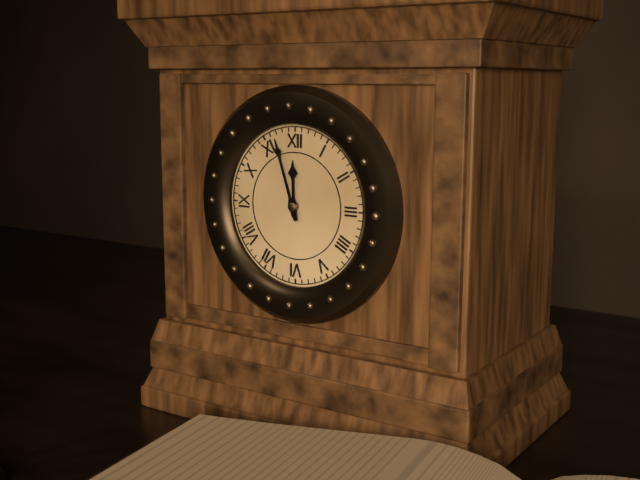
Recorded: h=11 m=57
